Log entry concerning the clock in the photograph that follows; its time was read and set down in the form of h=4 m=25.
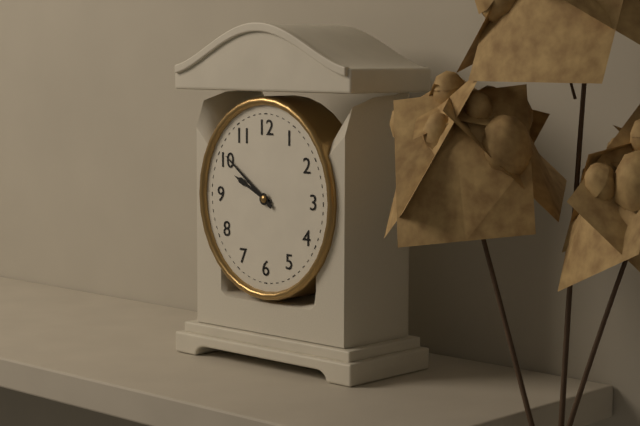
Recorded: h=9 m=51
